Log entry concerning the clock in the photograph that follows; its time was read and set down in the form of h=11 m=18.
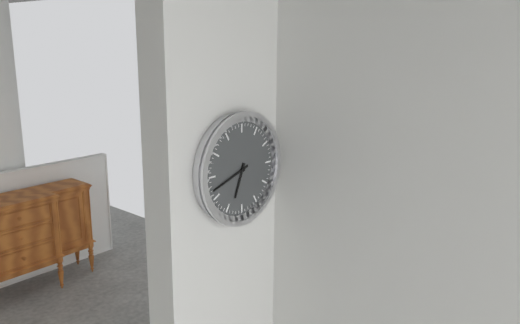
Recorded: h=6 m=42
